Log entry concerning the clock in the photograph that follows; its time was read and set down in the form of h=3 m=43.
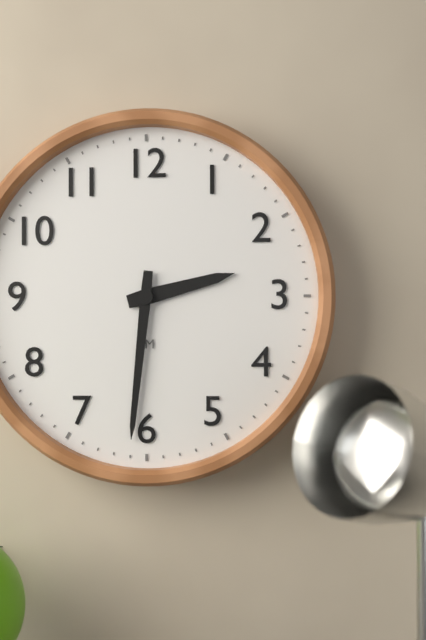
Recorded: h=2 m=31
